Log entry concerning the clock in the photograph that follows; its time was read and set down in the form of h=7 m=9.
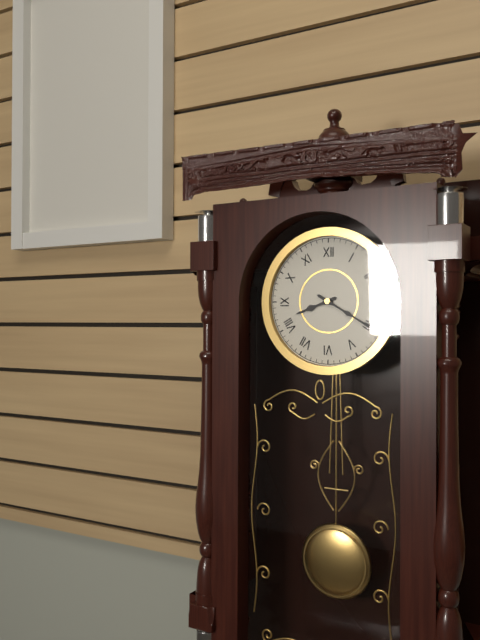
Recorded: h=8 m=20
